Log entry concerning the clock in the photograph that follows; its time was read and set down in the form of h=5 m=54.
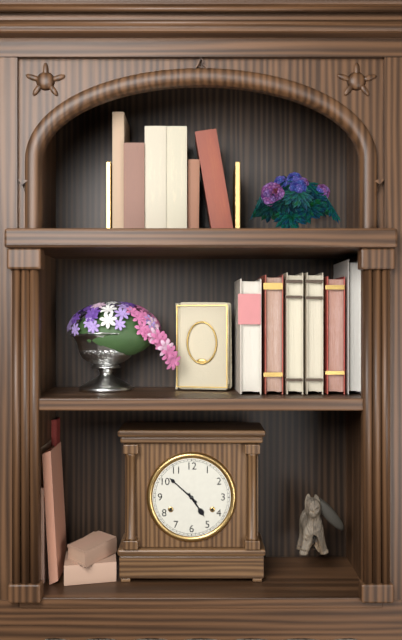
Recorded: h=4 m=52
